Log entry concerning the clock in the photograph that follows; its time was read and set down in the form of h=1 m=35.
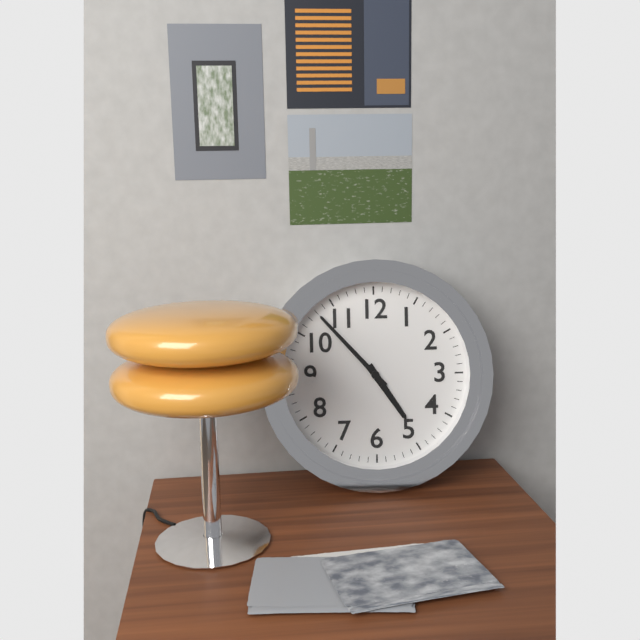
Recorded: h=4 m=53
